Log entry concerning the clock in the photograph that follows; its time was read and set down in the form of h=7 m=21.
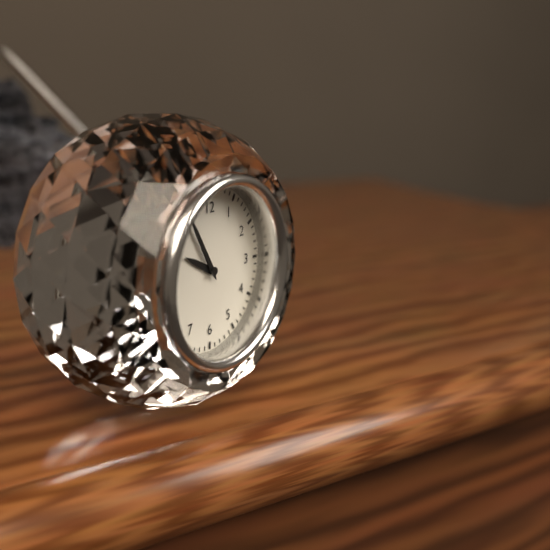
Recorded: h=9 m=55
